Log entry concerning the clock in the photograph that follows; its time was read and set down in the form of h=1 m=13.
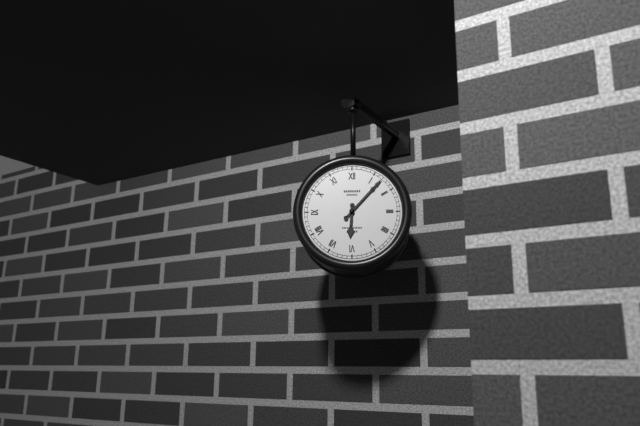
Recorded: h=6 m=7
